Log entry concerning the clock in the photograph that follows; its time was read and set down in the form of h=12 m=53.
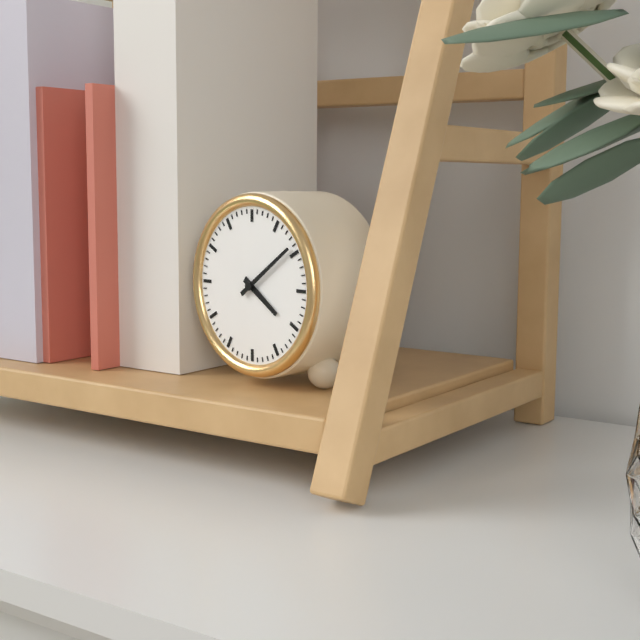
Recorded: h=4 m=9
